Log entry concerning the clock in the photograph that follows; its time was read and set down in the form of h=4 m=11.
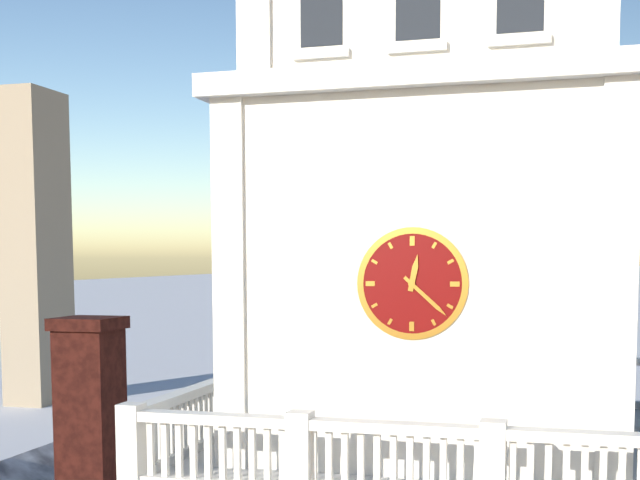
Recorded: h=12 m=22
